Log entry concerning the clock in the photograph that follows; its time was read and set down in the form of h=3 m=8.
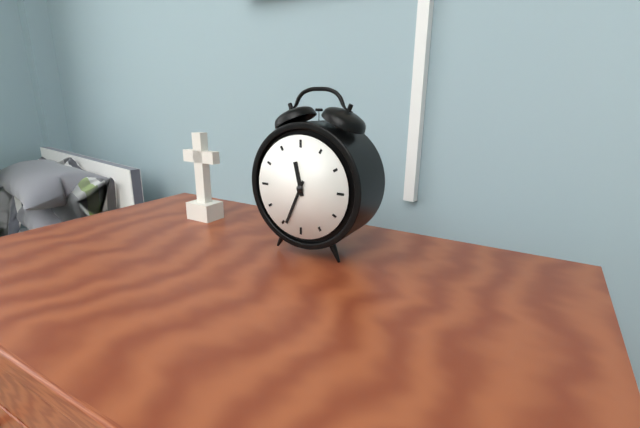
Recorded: h=11 m=34
